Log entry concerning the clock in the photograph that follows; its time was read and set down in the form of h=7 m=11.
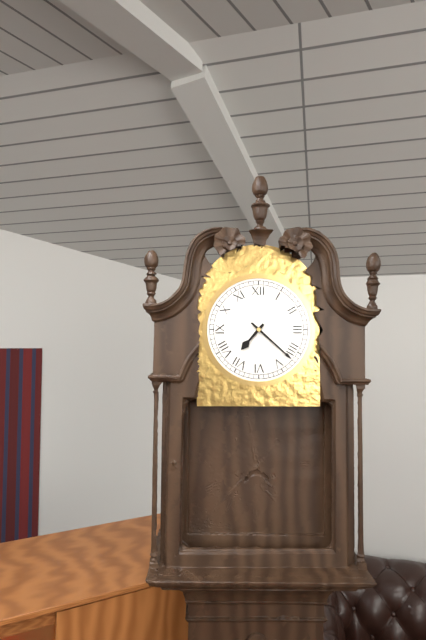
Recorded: h=7 m=22
